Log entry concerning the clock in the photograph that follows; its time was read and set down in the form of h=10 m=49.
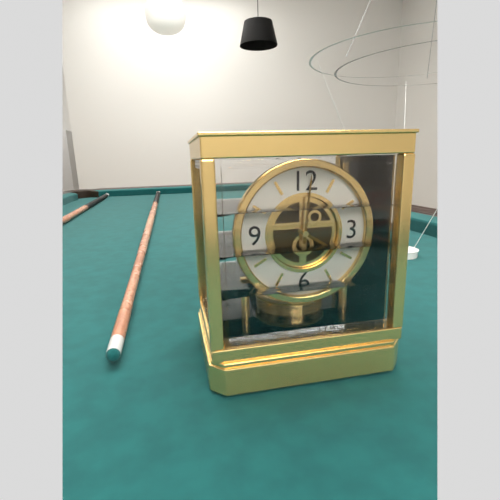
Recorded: h=4 m=1
